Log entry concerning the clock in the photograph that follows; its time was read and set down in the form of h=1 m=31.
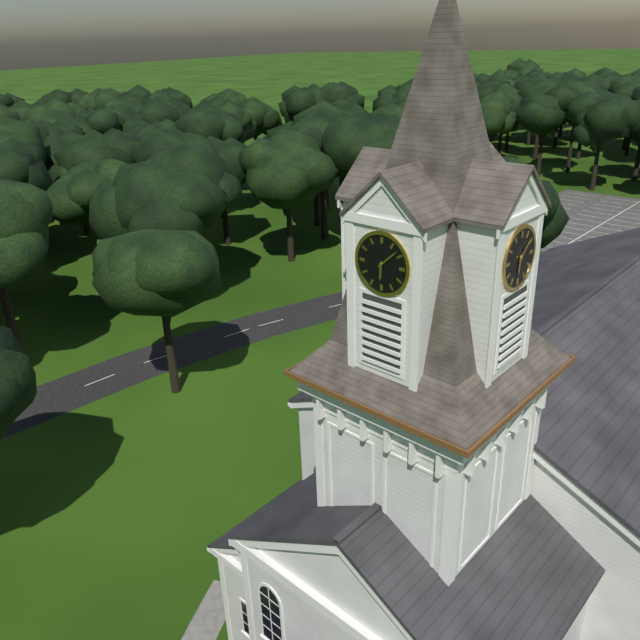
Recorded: h=6 m=8
